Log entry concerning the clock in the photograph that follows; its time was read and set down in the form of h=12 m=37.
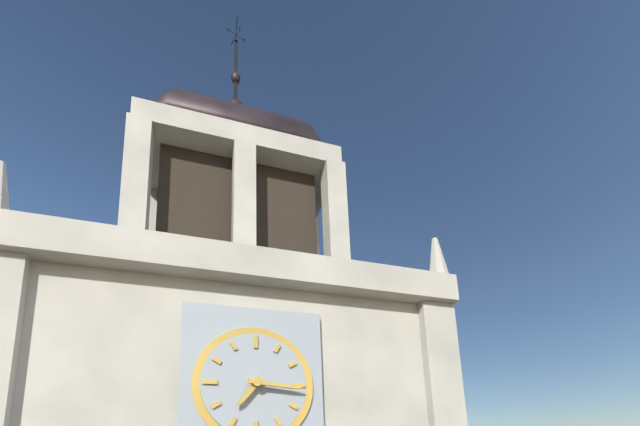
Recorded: h=7 m=16
